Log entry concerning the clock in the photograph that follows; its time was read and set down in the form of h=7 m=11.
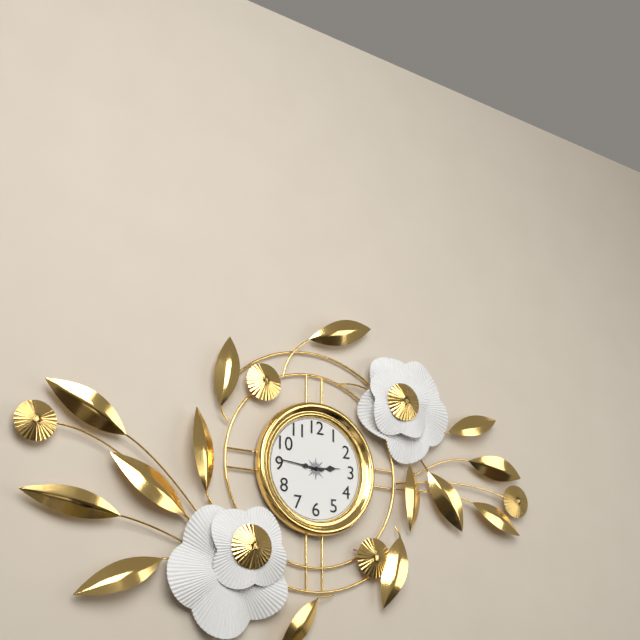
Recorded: h=2 m=46
